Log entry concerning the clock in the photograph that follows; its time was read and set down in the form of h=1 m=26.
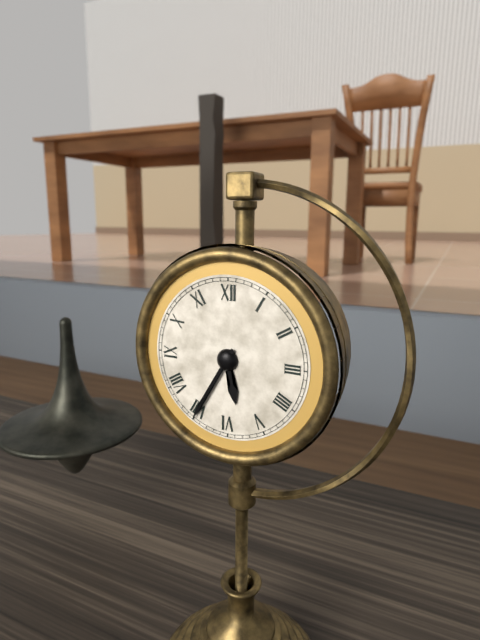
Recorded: h=5 m=35
